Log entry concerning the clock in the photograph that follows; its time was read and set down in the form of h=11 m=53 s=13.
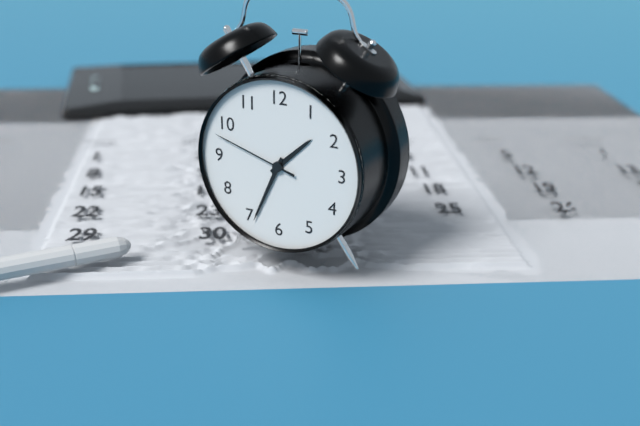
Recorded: h=1 m=34 s=48
